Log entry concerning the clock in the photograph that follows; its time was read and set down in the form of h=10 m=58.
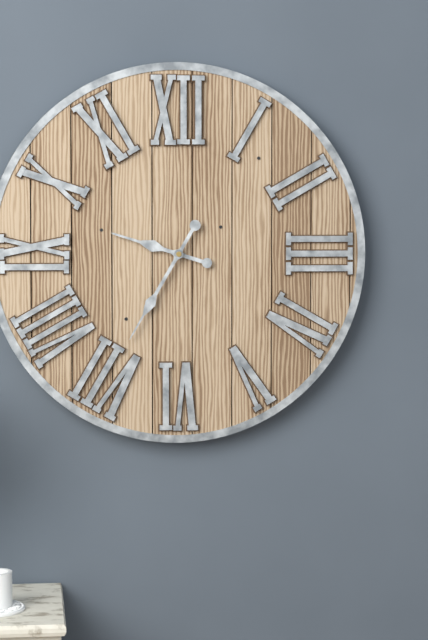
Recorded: h=9 m=35
